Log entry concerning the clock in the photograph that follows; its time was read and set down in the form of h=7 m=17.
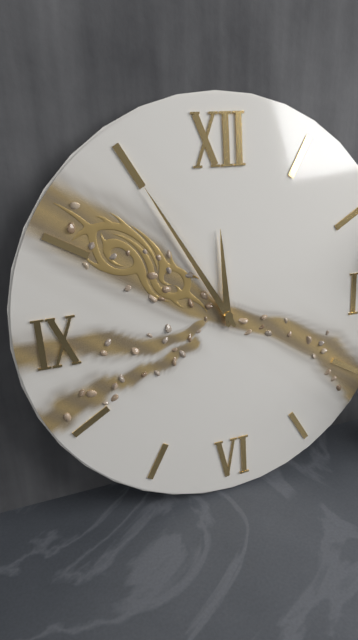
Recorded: h=11 m=55
